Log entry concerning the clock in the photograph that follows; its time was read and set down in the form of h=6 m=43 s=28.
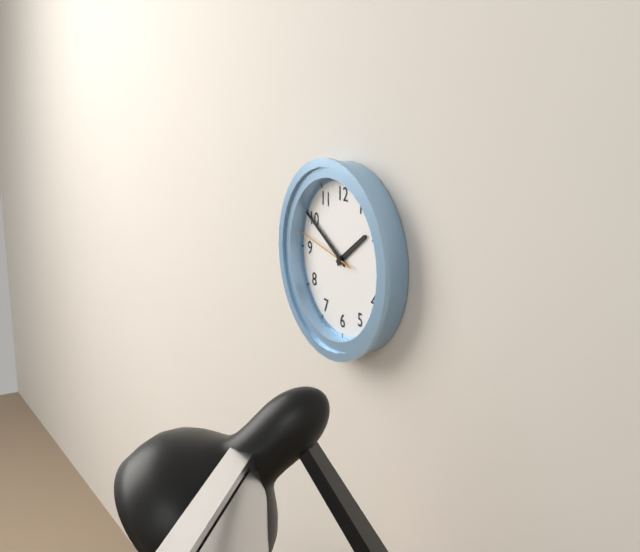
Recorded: h=1 m=50 s=47
